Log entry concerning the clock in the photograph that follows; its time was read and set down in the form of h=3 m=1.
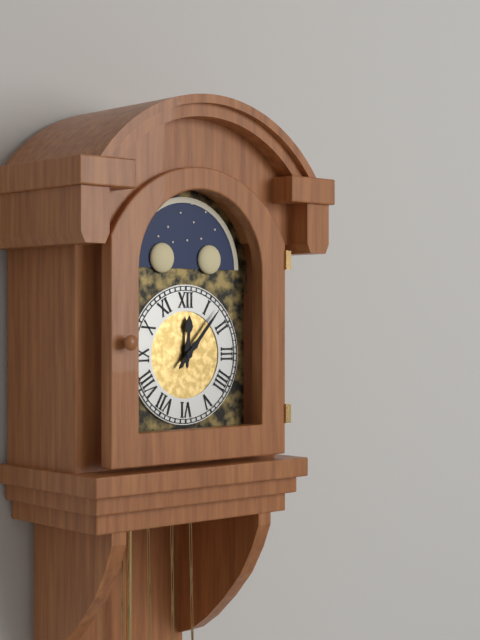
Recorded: h=12 m=7
